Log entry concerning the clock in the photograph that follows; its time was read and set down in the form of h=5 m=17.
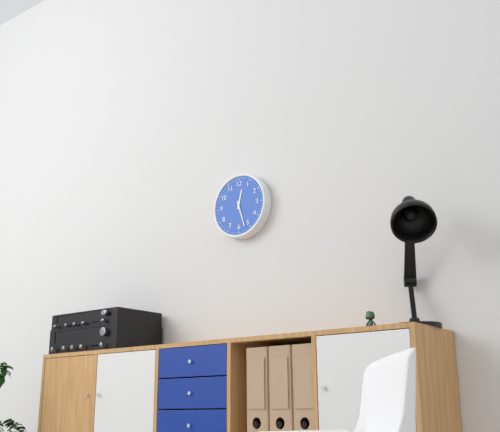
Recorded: h=12 m=27
